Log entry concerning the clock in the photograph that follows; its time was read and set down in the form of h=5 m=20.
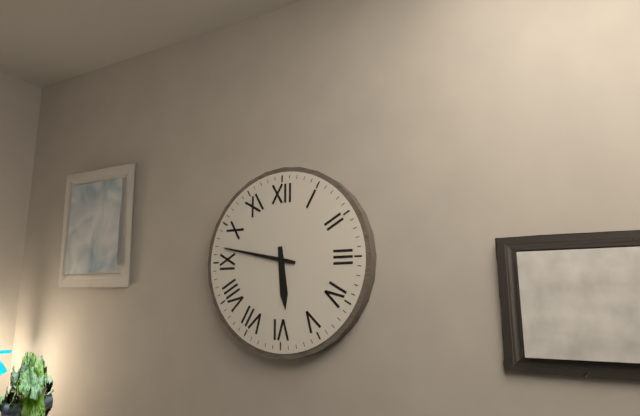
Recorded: h=5 m=47
